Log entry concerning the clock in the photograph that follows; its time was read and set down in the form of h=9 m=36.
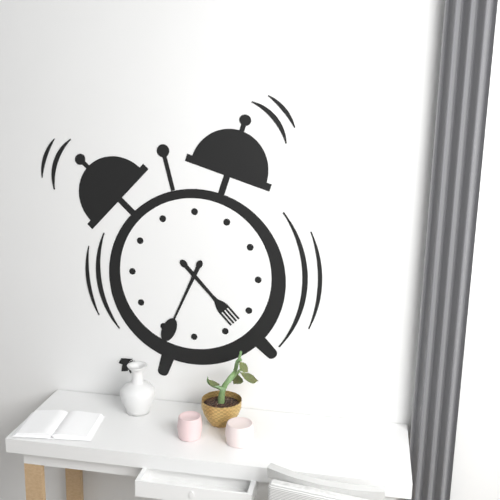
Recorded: h=4 m=34
